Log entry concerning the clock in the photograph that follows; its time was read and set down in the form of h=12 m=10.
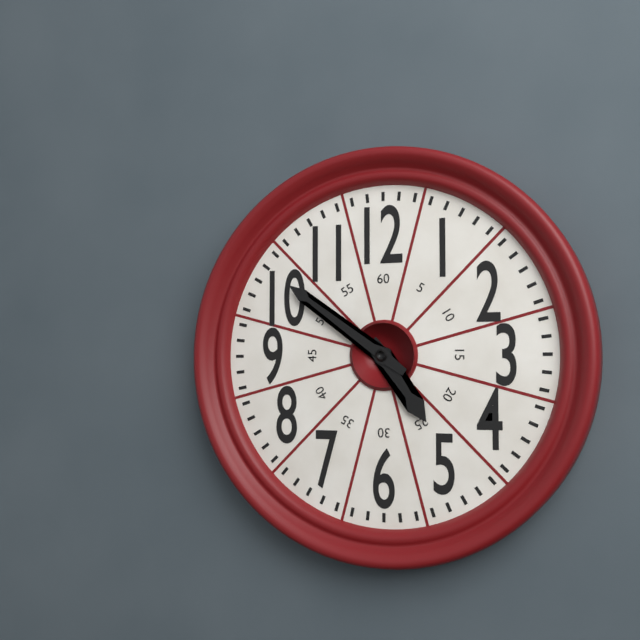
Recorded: h=4 m=51
